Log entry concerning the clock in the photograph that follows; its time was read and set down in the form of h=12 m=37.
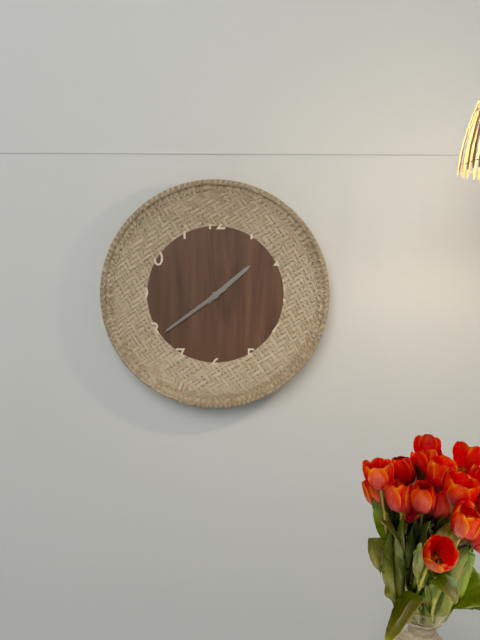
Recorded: h=1 m=39
